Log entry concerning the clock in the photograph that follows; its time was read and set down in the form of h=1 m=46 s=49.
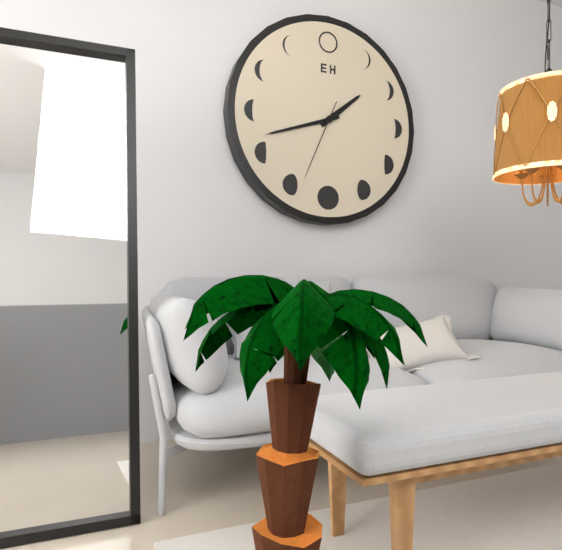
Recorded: h=1 m=42 s=34
